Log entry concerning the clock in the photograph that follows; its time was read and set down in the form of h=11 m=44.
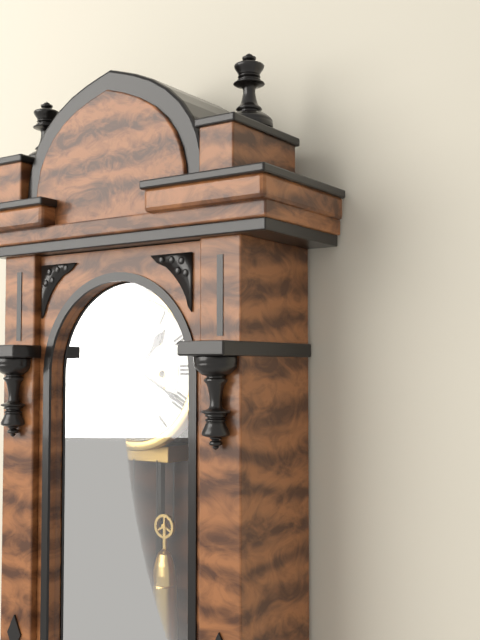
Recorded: h=1 m=20
